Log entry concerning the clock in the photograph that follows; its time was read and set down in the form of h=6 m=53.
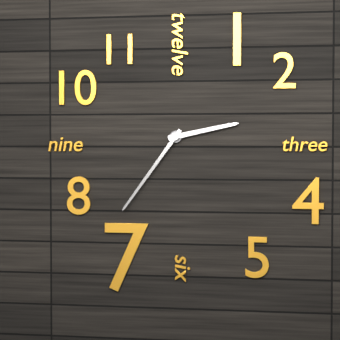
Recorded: h=2 m=36
